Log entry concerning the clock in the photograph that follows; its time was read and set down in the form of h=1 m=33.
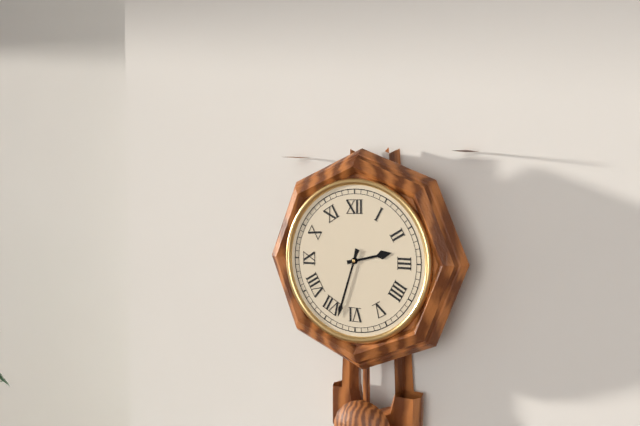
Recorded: h=2 m=33
